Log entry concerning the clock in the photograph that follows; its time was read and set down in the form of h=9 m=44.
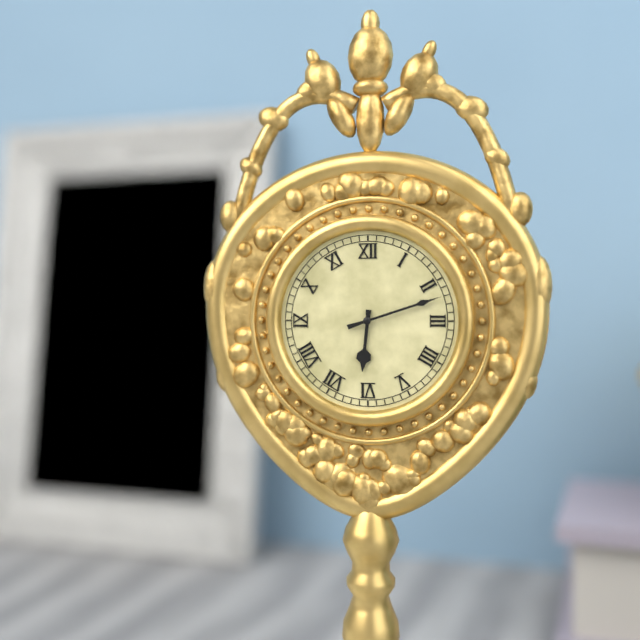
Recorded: h=6 m=12
